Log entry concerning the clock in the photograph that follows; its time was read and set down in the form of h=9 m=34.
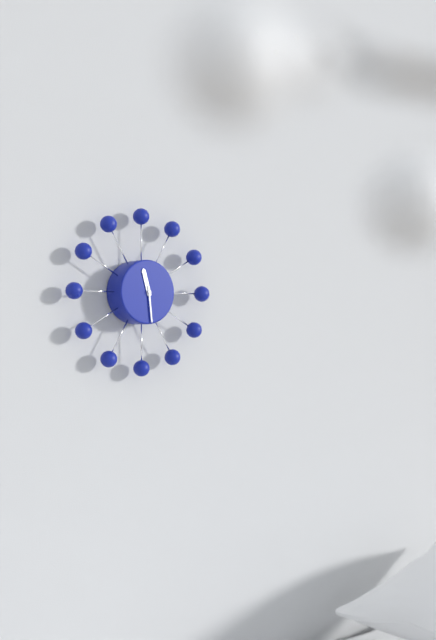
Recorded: h=11 m=29
